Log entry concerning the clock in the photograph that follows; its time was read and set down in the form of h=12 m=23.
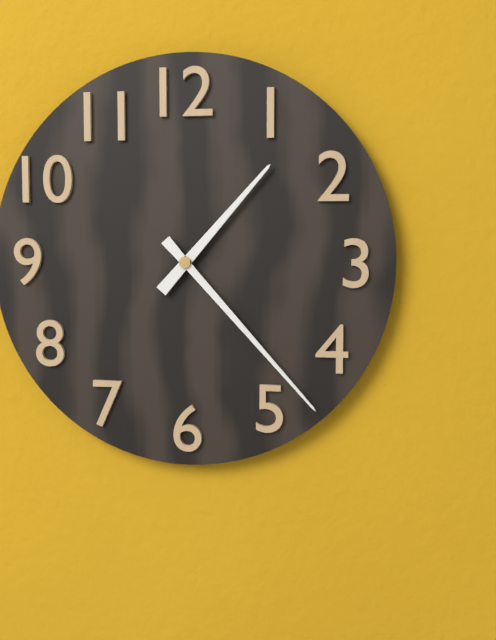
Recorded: h=1 m=23
